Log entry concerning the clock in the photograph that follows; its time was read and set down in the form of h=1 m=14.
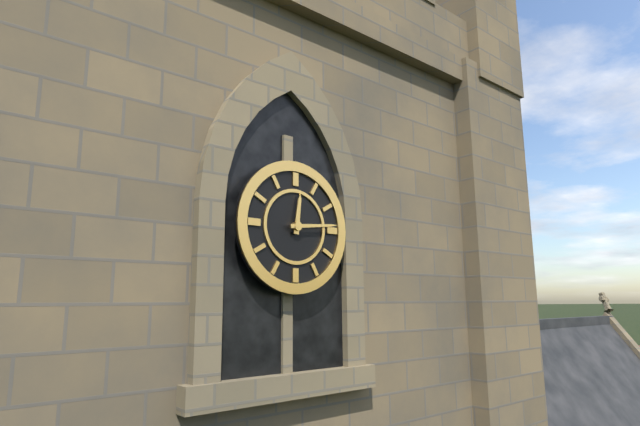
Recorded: h=12 m=14
